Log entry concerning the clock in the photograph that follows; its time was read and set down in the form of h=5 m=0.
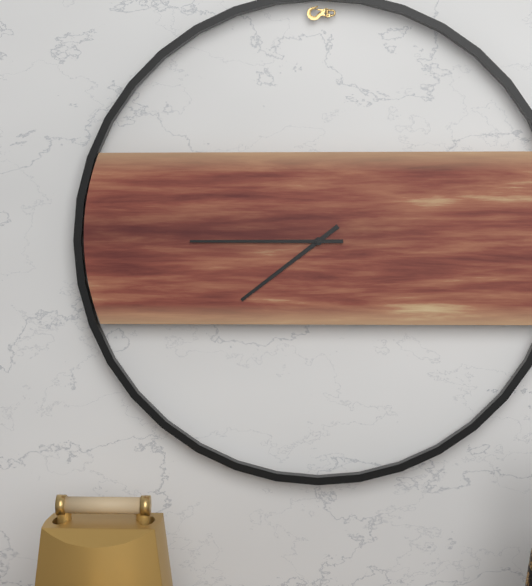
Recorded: h=7 m=45
